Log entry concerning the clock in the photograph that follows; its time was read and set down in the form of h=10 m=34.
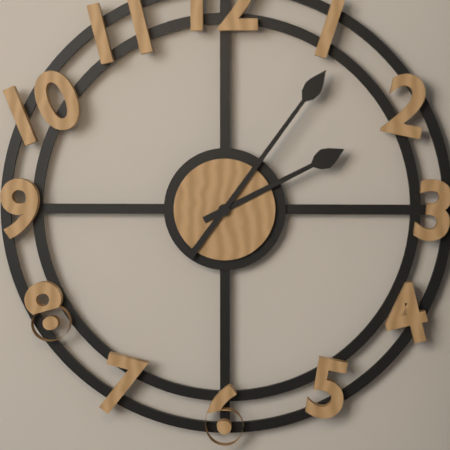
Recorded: h=2 m=6
